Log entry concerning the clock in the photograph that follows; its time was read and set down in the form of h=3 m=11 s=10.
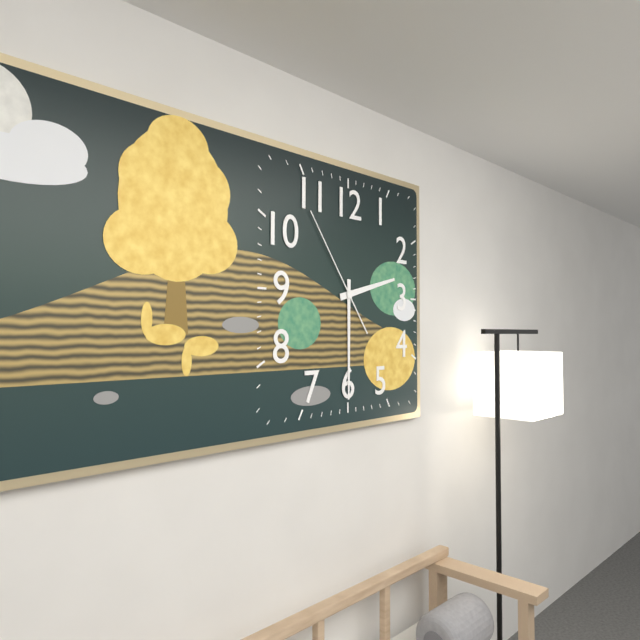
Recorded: h=2 m=30 s=54
